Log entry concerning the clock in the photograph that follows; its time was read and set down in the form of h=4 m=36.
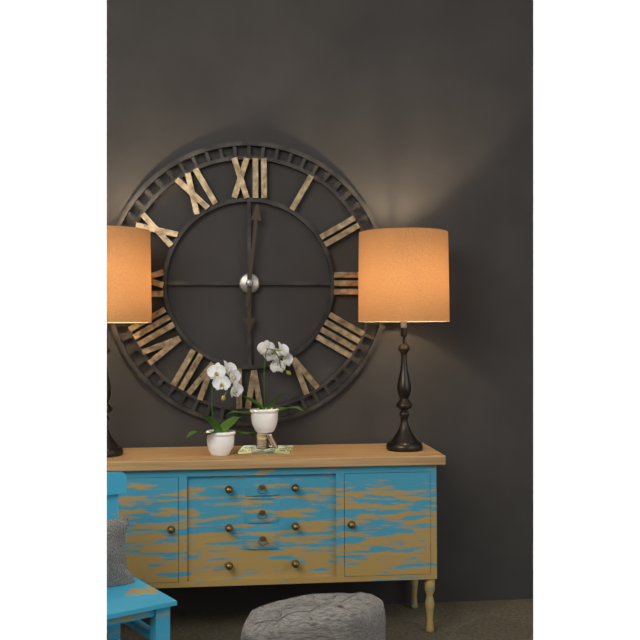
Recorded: h=6 m=1
